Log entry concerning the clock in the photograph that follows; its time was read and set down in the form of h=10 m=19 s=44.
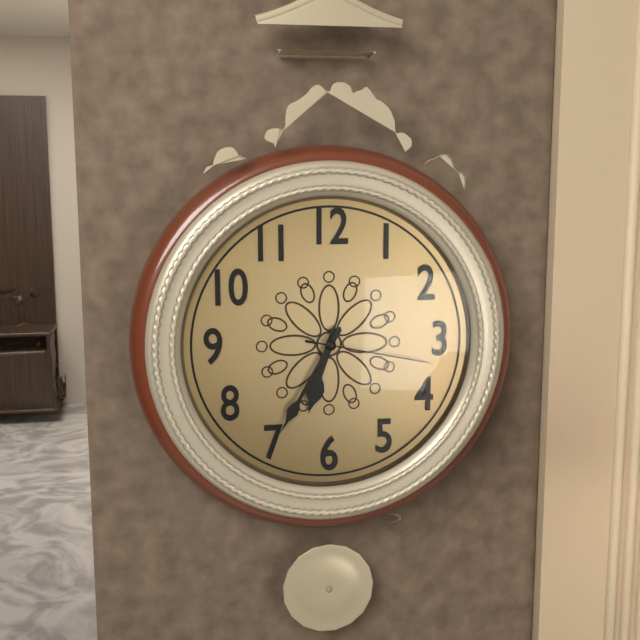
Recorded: h=6 m=35 s=17
